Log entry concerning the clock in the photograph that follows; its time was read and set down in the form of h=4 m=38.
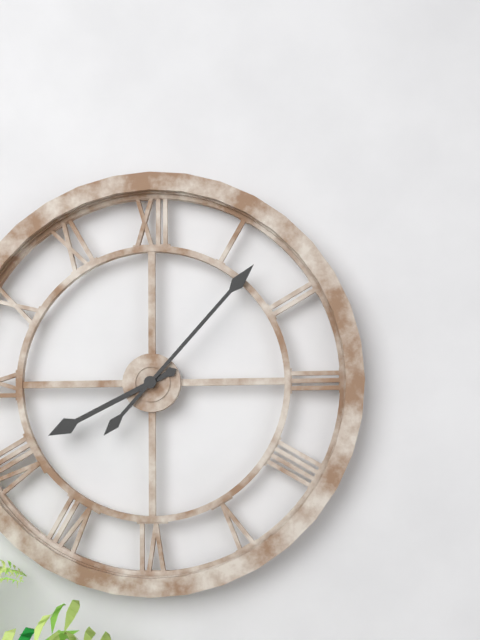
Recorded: h=8 m=7
